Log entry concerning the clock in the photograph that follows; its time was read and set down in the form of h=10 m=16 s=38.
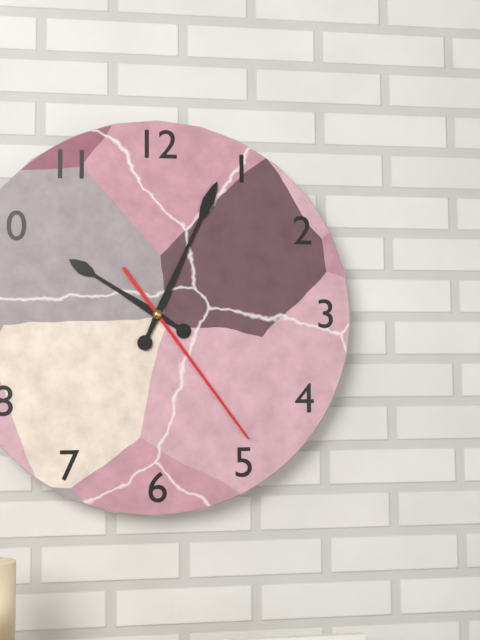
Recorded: h=10 m=4 s=24
